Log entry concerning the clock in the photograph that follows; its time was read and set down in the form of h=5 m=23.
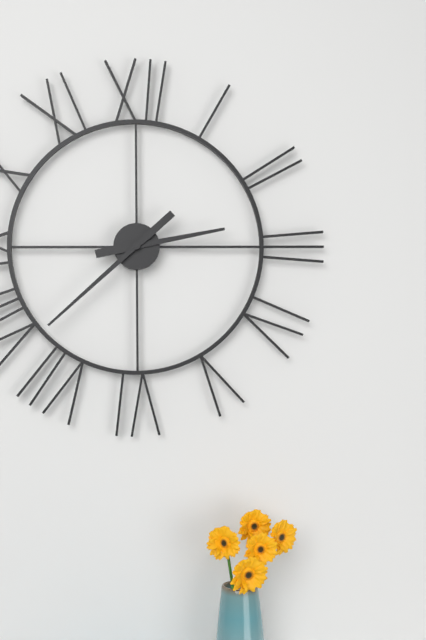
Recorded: h=2 m=38
